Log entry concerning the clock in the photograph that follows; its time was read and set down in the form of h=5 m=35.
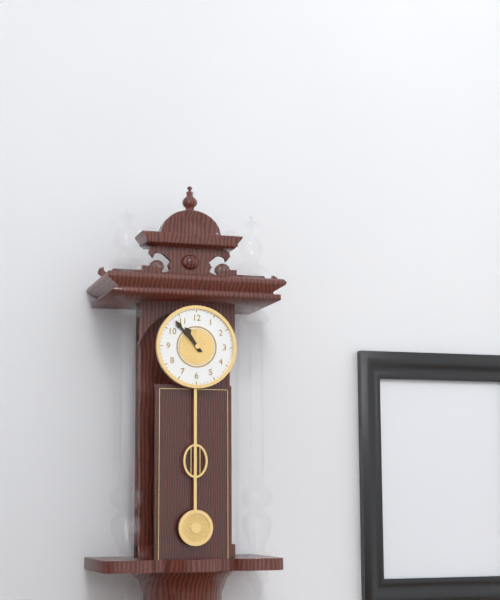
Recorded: h=10 m=53
